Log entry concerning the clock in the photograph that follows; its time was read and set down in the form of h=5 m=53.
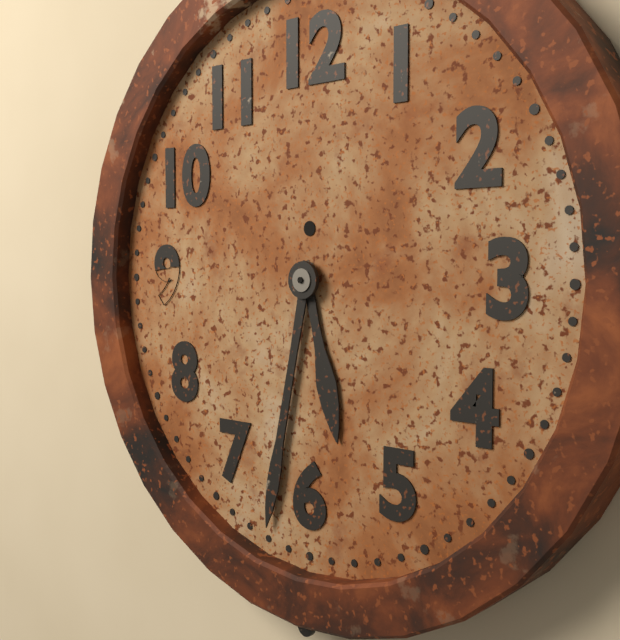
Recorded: h=5 m=32
